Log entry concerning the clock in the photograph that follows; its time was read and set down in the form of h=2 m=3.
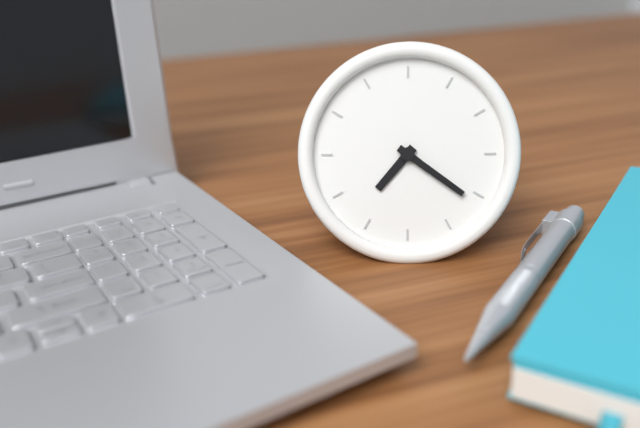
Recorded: h=7 m=21
